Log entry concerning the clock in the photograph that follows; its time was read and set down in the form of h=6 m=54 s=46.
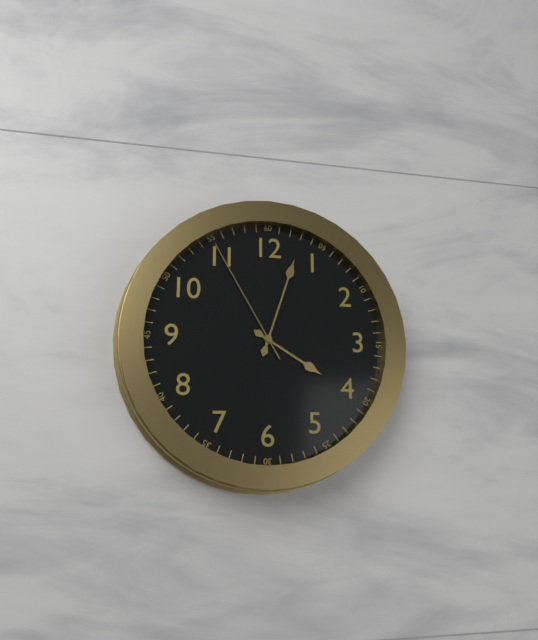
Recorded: h=4 m=3 s=55
